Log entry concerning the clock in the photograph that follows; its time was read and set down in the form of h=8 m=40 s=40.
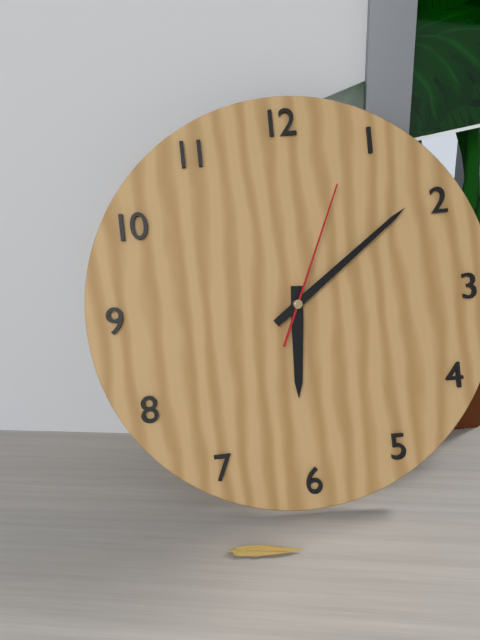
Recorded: h=6 m=9 s=4
